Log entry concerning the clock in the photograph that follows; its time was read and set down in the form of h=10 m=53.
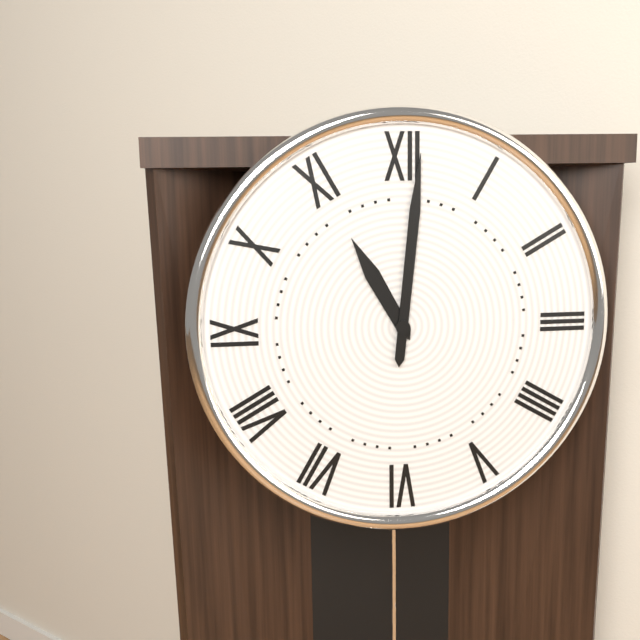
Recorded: h=11 m=1
